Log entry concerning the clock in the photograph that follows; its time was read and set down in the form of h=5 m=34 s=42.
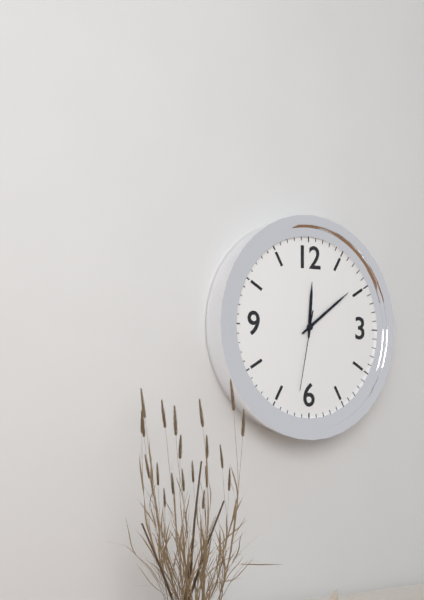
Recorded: h=12 m=9 s=32
